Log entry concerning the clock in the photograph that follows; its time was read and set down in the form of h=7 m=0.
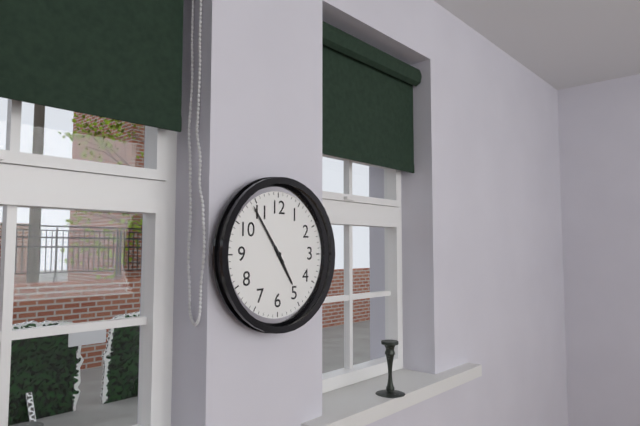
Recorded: h=4 m=54
